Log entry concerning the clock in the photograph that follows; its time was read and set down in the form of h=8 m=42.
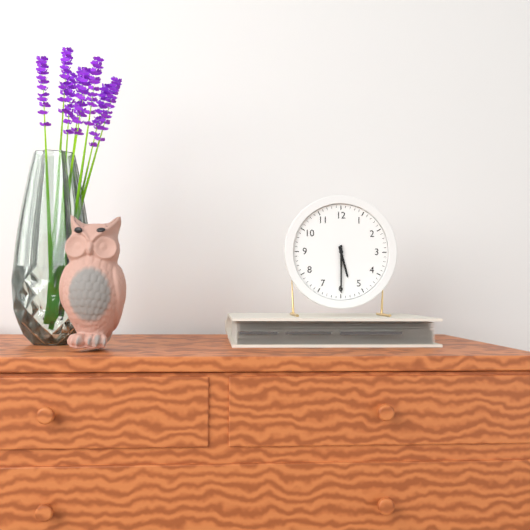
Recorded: h=5 m=30
